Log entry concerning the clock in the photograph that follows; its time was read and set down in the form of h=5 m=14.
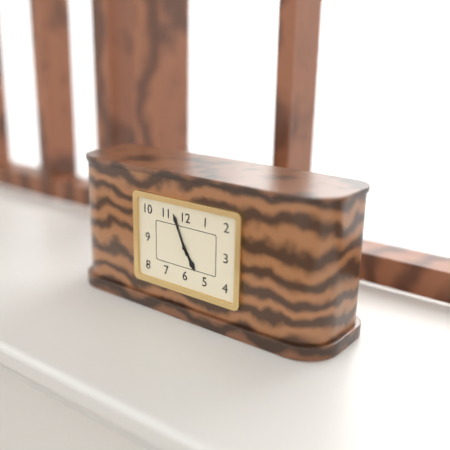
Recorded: h=4 m=56
